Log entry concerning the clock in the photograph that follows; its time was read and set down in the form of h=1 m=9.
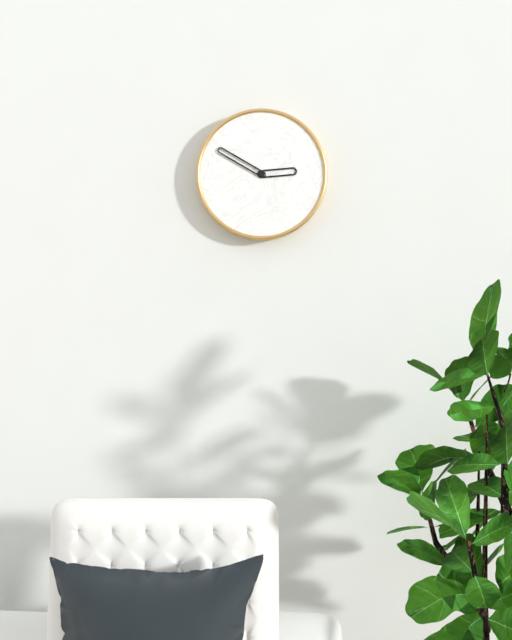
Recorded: h=2 m=50
